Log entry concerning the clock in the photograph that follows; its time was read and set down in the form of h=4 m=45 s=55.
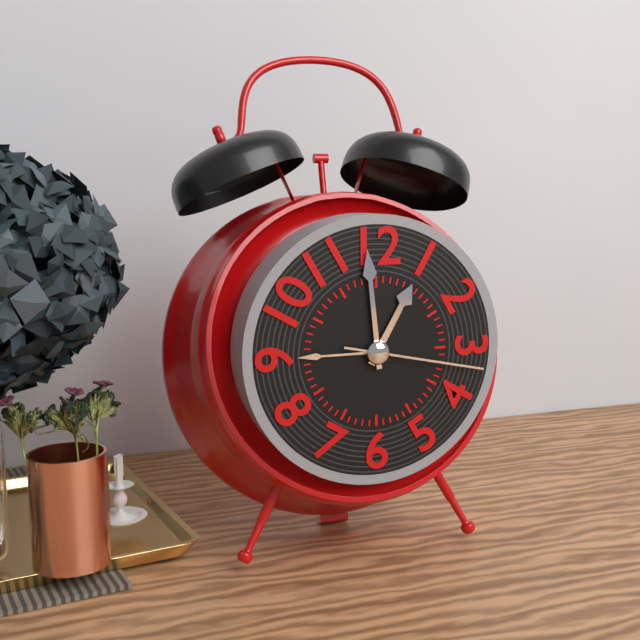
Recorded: h=12 m=59 s=17
